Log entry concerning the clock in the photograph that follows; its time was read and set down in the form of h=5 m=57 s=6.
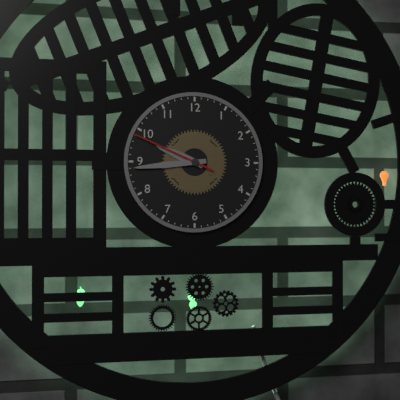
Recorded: h=9 m=44 s=49
